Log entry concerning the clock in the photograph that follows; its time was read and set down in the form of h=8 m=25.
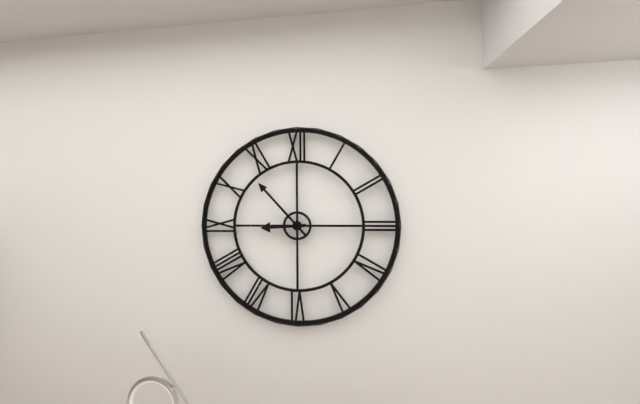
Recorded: h=8 m=53
